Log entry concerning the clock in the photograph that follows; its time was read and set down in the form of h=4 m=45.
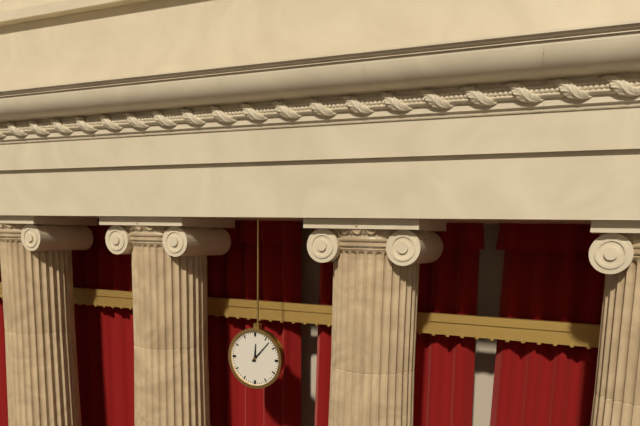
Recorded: h=12 m=7
